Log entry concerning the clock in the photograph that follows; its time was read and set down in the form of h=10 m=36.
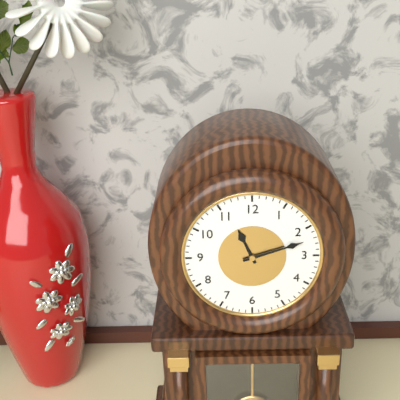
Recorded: h=11 m=12
